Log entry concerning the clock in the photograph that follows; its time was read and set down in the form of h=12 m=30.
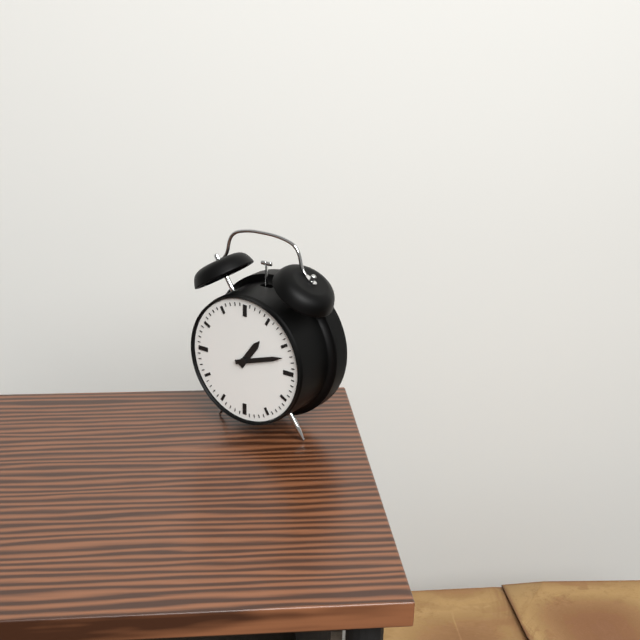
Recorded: h=1 m=12
